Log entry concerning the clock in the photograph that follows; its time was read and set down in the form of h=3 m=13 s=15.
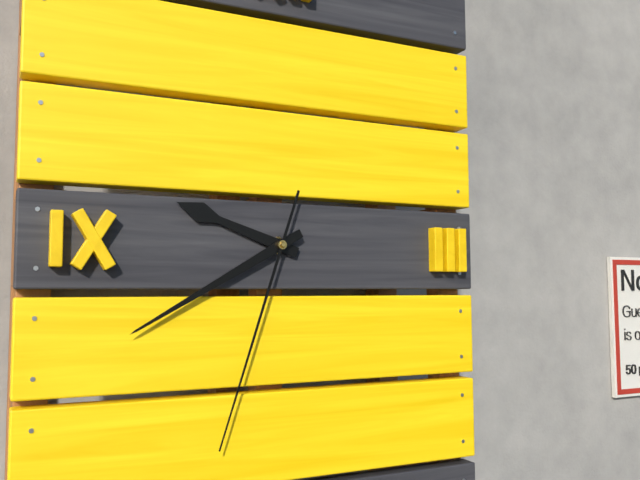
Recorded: h=9 m=40 s=33
